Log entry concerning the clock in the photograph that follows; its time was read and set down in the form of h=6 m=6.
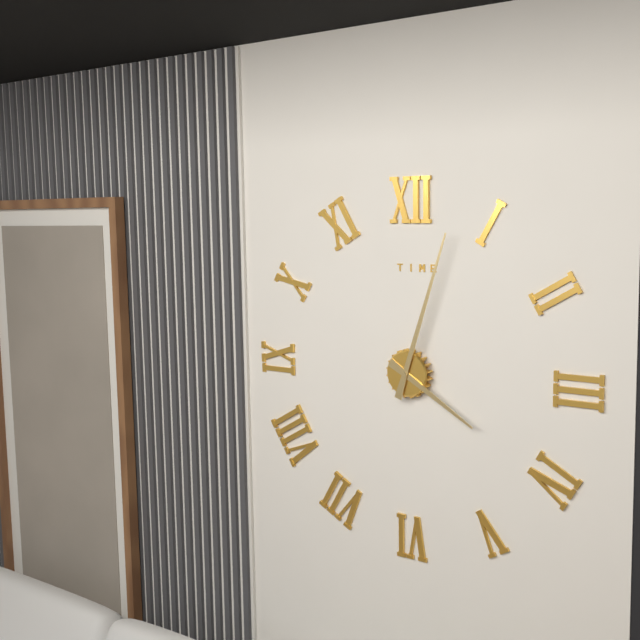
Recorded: h=4 m=3
